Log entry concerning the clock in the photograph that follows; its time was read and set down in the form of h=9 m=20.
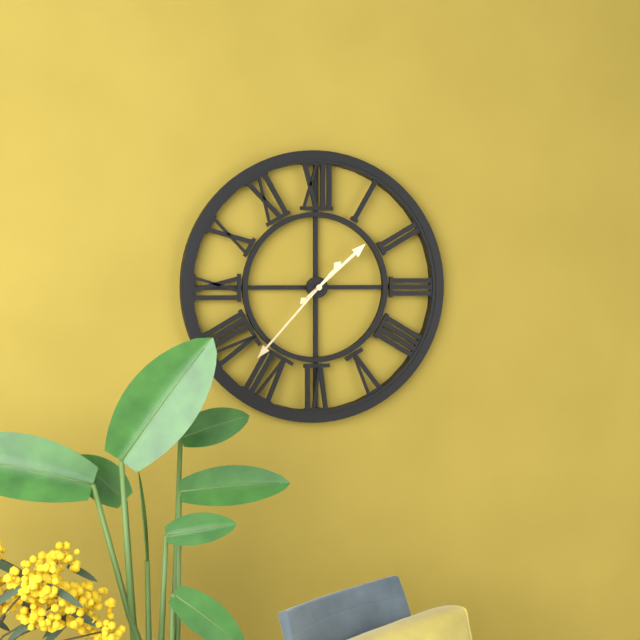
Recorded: h=1 m=37
